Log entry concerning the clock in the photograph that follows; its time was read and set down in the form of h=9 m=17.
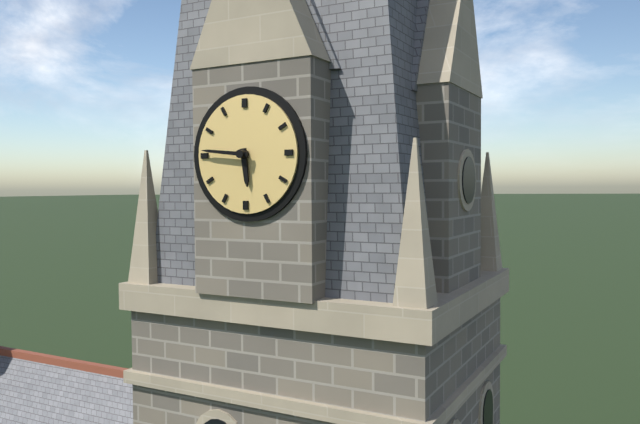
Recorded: h=5 m=46
